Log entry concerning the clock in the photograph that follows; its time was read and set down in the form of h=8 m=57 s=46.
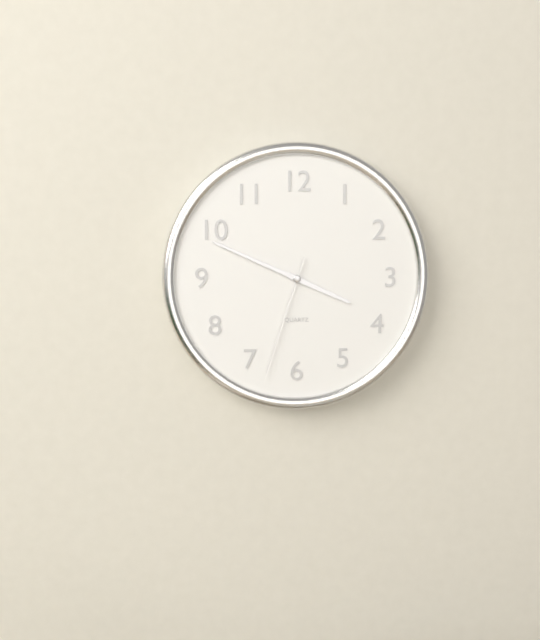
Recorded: h=3 m=49 s=33
